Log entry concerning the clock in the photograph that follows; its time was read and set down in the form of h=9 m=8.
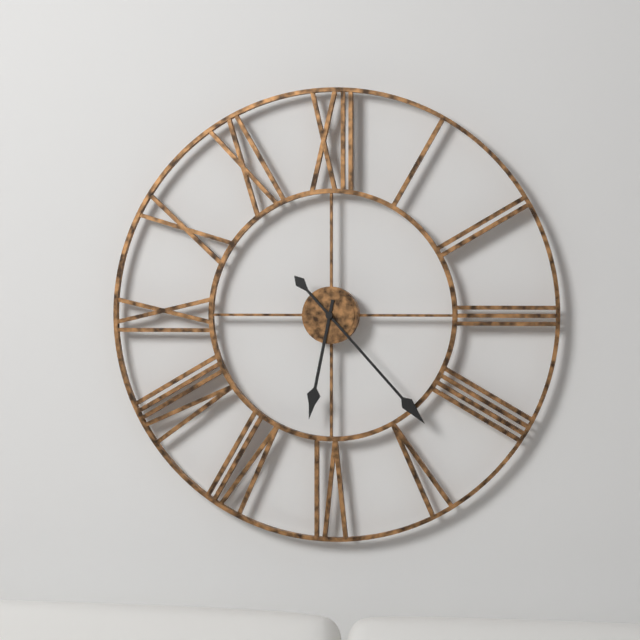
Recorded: h=6 m=23
